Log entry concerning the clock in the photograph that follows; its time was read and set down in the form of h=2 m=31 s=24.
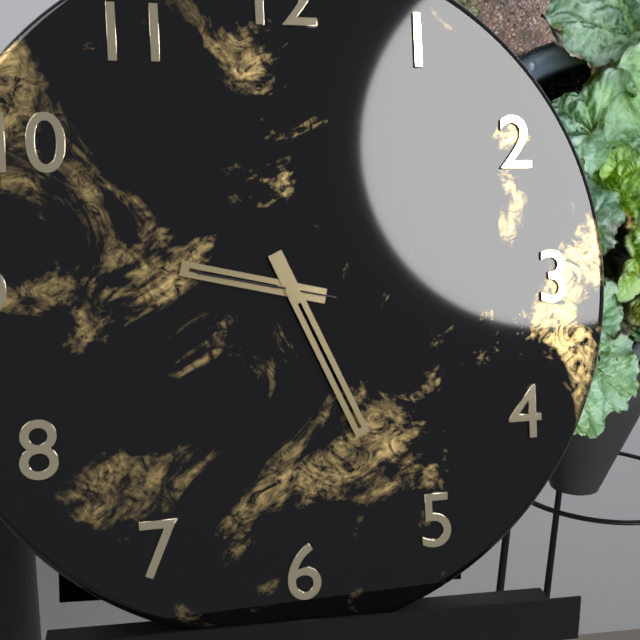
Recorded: h=9 m=26 s=47
